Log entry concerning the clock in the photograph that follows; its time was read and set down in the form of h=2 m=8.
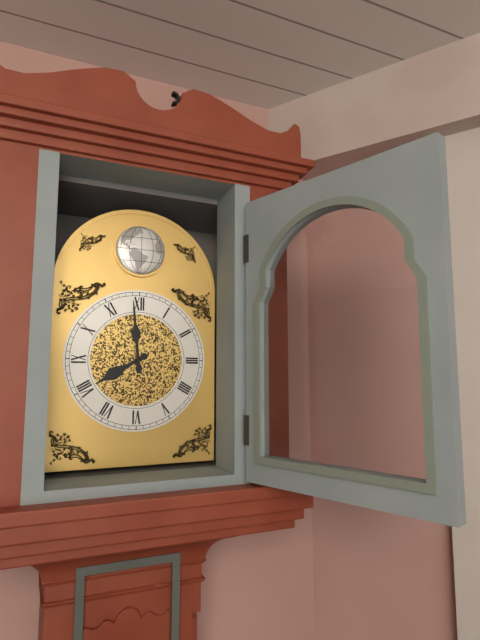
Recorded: h=7 m=59
